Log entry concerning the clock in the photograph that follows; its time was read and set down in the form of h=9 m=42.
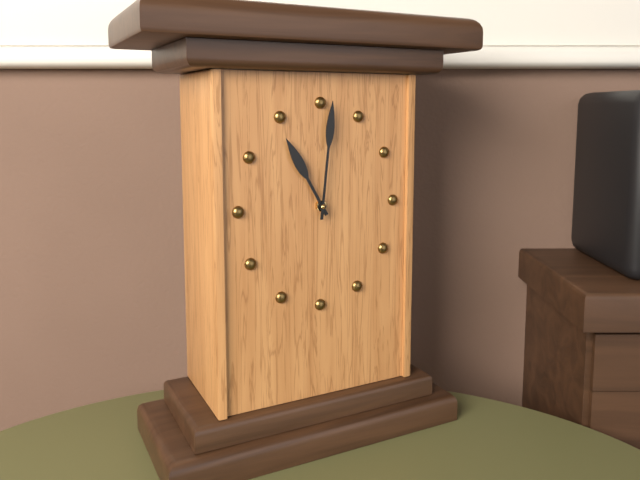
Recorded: h=11 m=1
